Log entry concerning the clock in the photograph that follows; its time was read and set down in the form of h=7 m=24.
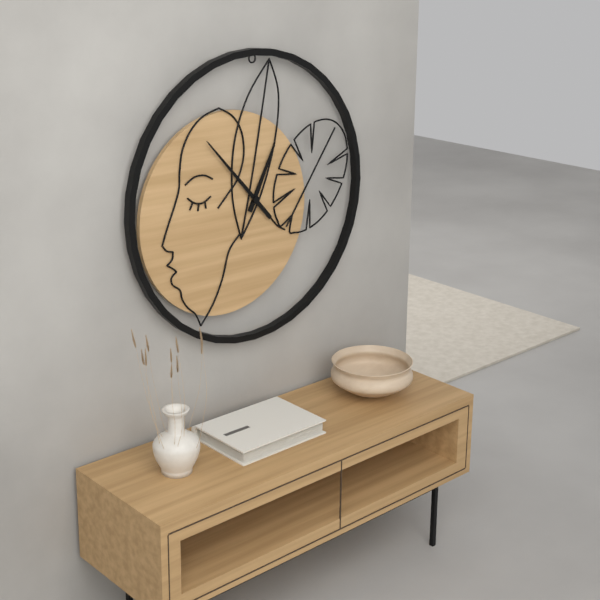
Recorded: h=12 m=53
